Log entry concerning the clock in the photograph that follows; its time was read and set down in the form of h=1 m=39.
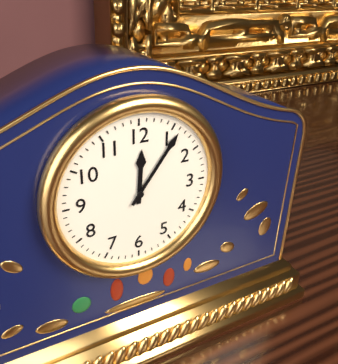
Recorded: h=12 m=6
